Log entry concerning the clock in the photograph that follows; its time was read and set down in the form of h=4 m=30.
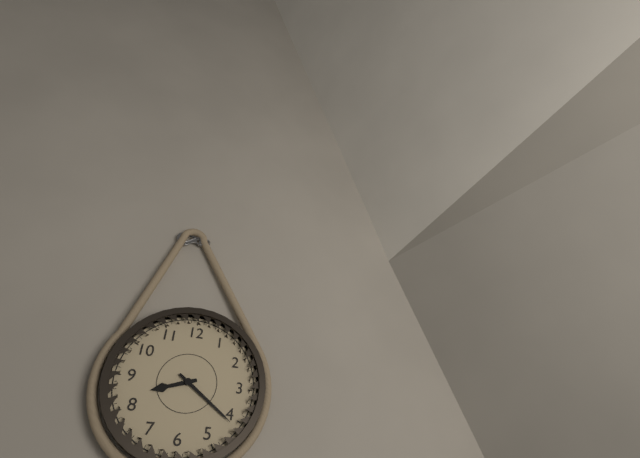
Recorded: h=8 m=21
